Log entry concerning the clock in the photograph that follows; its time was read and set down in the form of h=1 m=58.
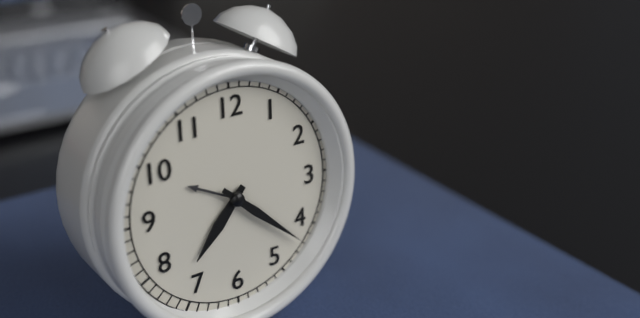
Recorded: h=7 m=22
